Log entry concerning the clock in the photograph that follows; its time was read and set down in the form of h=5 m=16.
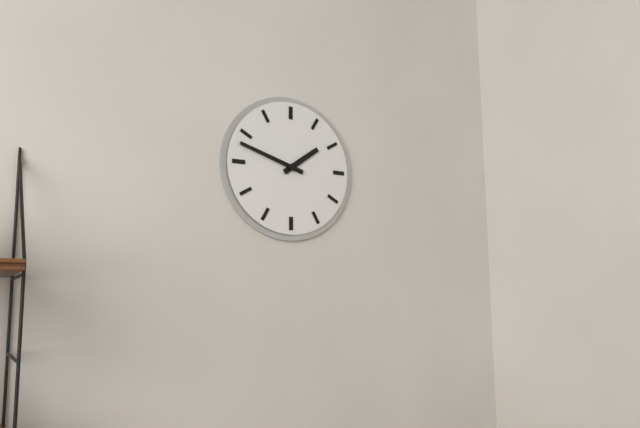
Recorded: h=1 m=48
